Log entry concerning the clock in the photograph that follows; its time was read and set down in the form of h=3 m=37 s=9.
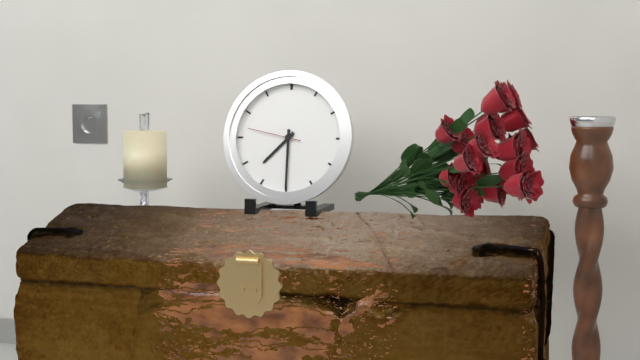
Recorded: h=7 m=30 s=47
